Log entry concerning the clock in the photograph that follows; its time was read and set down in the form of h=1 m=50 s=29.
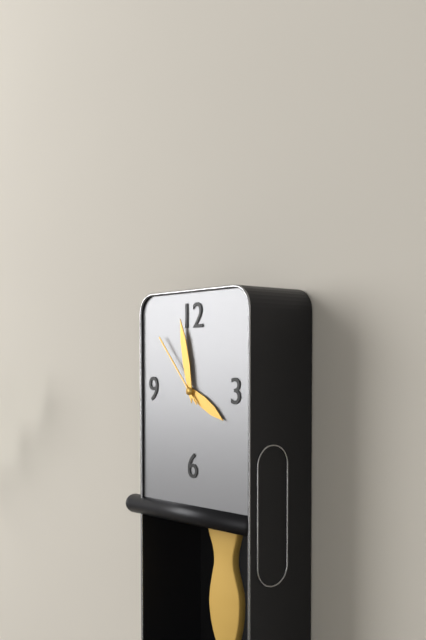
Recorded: h=3 m=58 s=53
